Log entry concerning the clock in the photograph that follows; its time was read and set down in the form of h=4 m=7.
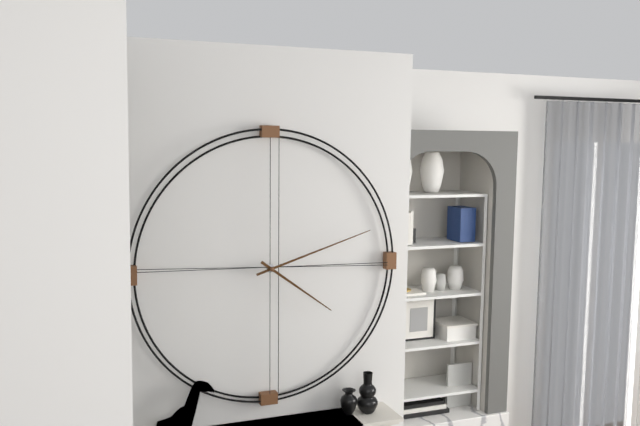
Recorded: h=4 m=12
